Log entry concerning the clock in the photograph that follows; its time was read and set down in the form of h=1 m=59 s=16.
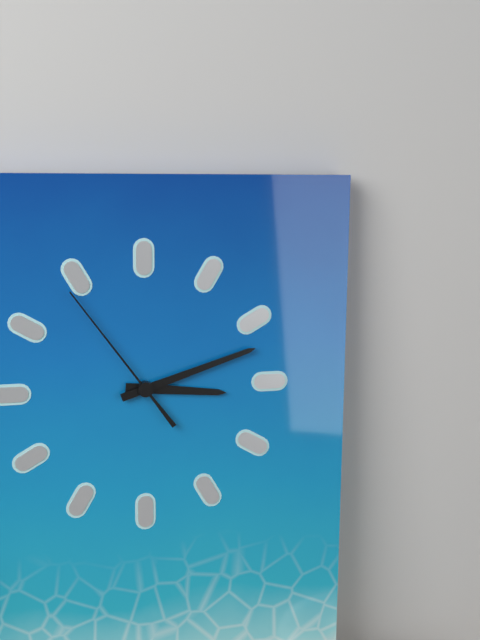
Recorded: h=3 m=12 s=54
